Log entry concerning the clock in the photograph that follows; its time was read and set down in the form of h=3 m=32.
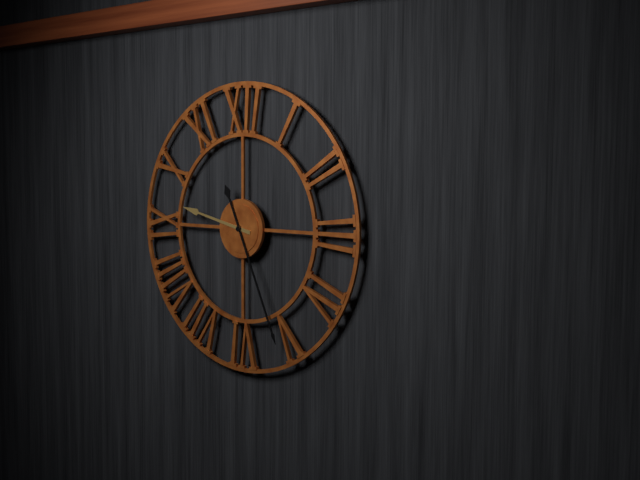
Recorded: h=9 m=26
